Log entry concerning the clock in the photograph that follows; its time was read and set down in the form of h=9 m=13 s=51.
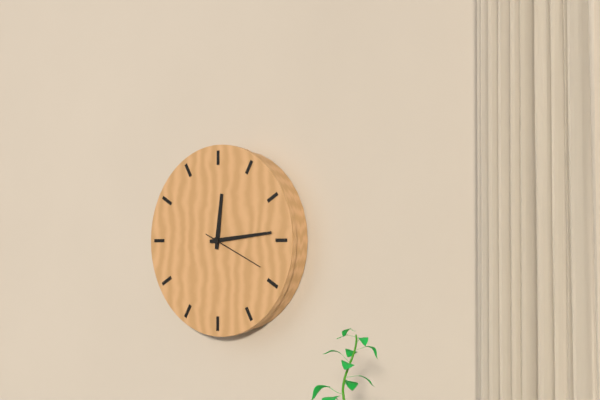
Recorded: h=12 m=14 s=19
